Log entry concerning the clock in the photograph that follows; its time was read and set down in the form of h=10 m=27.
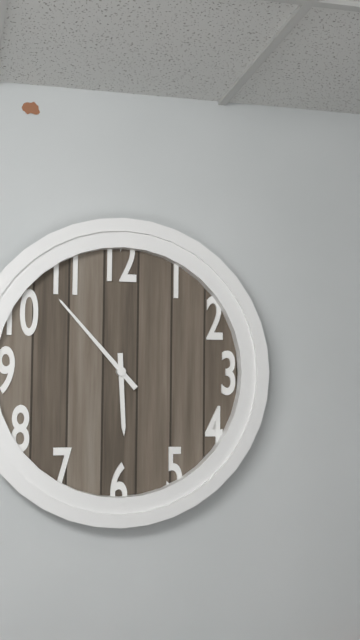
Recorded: h=5 m=53
